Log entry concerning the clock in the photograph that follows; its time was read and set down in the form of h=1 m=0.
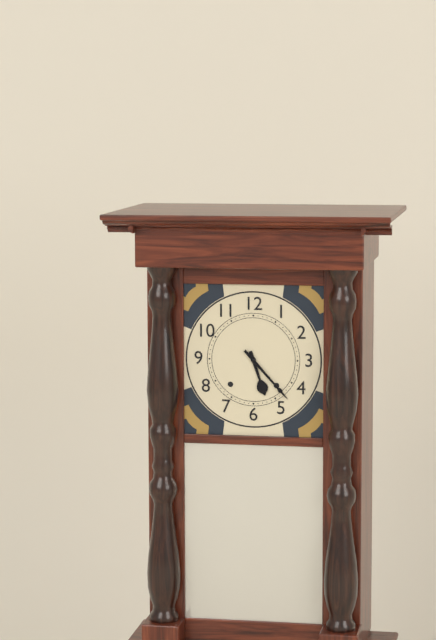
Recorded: h=5 m=23
